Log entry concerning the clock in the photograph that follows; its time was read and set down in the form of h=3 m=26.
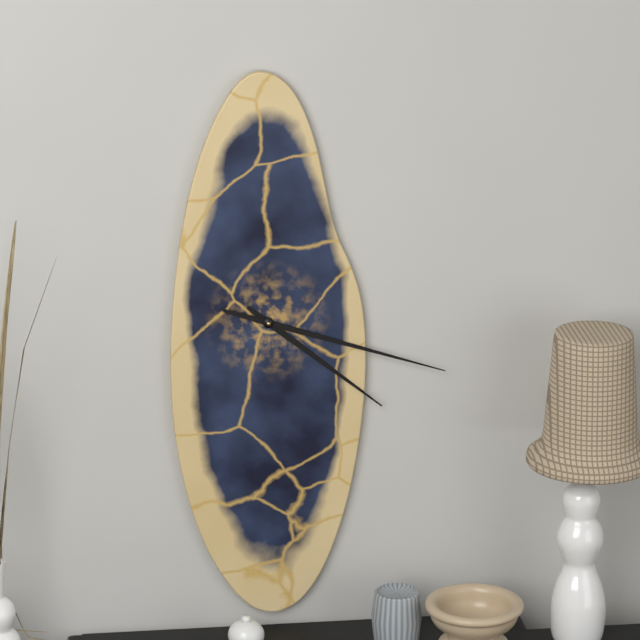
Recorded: h=4 m=18
